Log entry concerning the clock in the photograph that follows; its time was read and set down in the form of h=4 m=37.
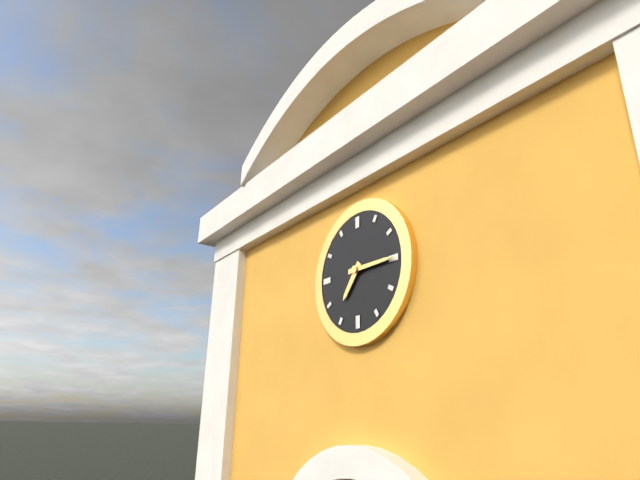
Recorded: h=7 m=15
